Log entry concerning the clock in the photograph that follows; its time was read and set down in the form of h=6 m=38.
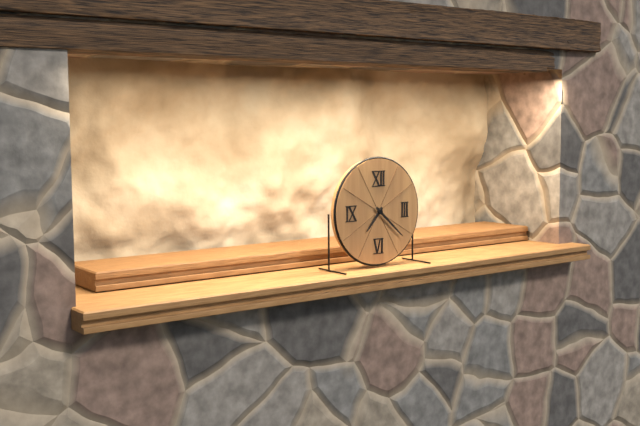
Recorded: h=7 m=22
